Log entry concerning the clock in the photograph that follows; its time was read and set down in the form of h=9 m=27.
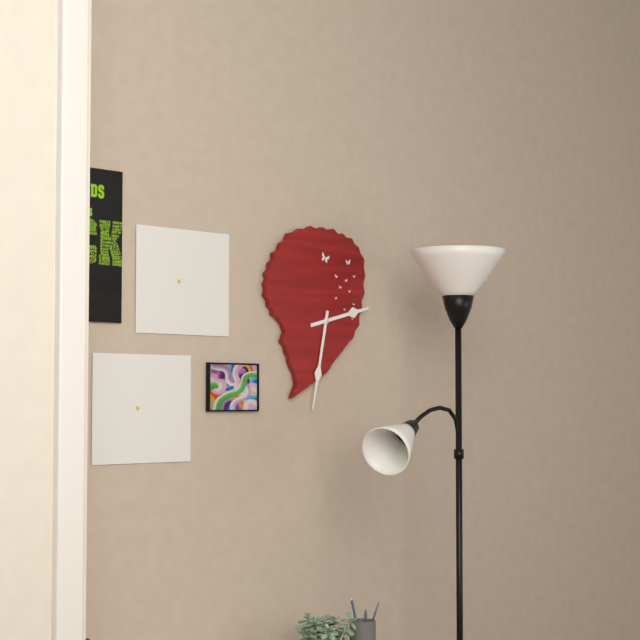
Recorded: h=2 m=32
